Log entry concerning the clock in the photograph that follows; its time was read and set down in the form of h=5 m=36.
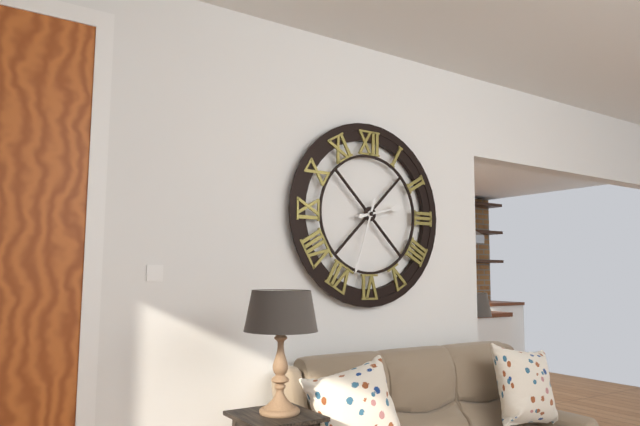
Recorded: h=2 m=33
